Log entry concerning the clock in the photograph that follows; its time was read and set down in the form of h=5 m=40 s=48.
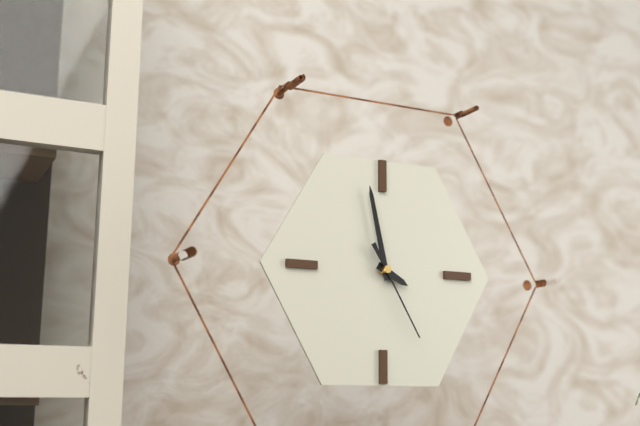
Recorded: h=3 m=58 s=25
